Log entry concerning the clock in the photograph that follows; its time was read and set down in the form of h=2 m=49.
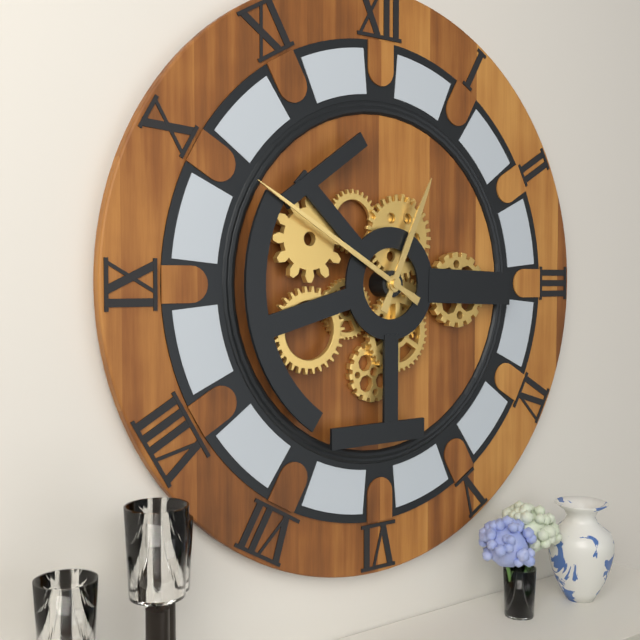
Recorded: h=12 m=50
